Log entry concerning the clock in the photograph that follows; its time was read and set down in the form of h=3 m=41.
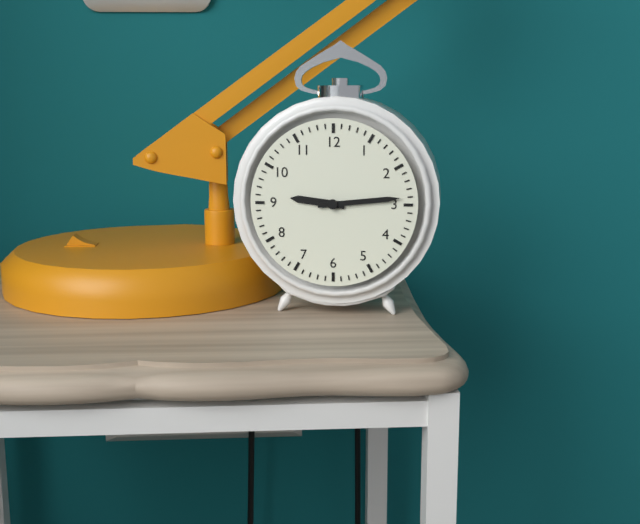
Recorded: h=9 m=14
